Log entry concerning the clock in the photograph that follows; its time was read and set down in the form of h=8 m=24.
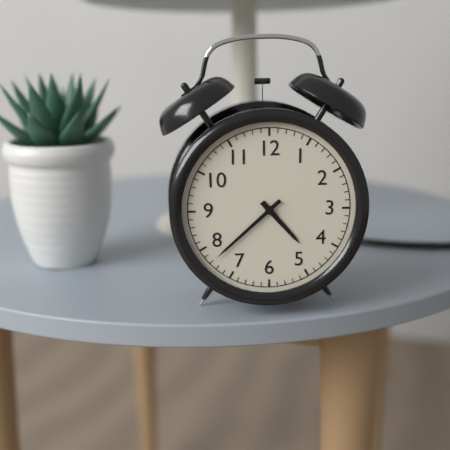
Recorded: h=4 m=38
